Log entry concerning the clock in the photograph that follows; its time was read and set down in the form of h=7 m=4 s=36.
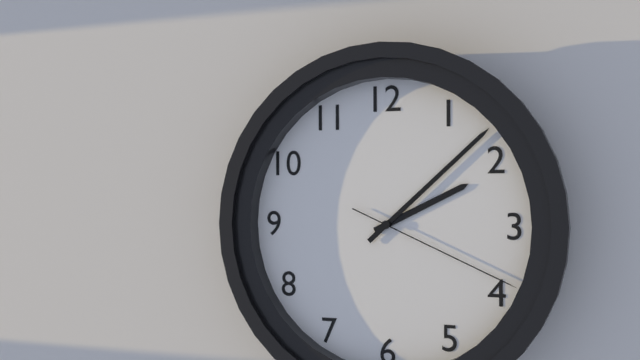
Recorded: h=2 m=8 s=19
